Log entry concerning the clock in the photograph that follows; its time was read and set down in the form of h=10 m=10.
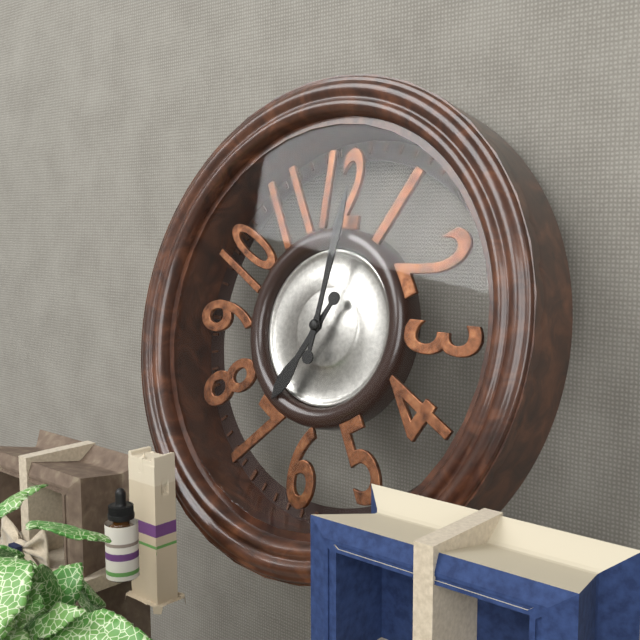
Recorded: h=7 m=1
